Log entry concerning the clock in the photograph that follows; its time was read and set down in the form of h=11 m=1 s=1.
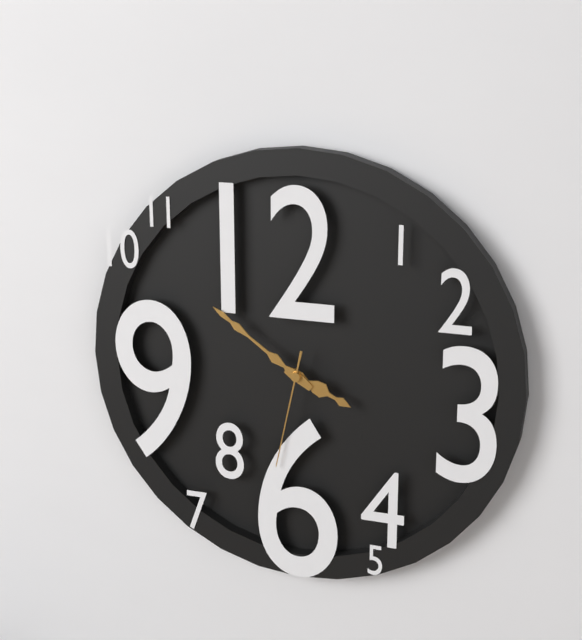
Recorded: h=3 m=51 s=32
